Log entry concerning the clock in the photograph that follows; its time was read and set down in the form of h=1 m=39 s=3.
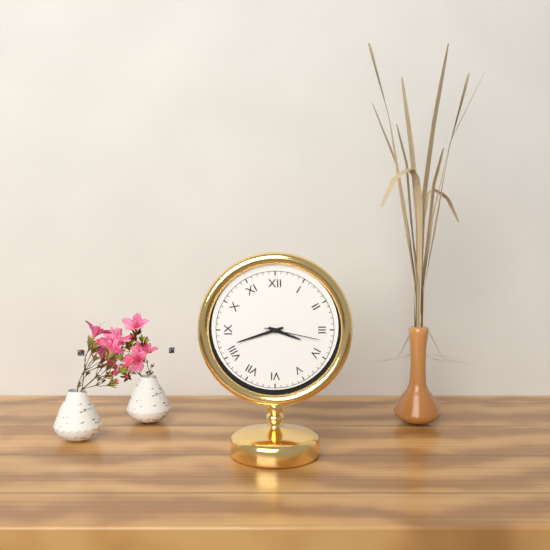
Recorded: h=3 m=42 s=17
